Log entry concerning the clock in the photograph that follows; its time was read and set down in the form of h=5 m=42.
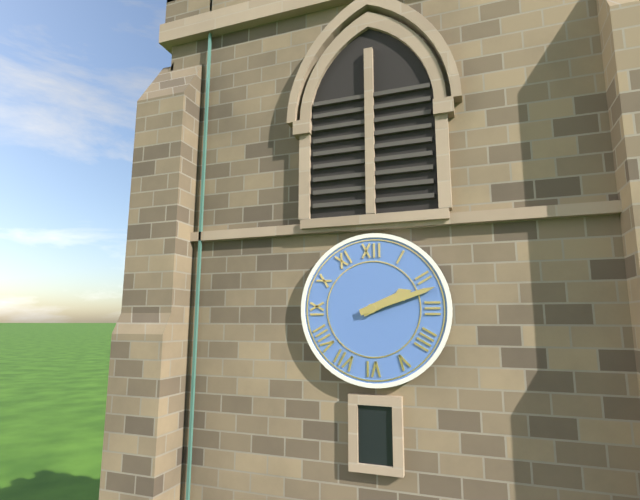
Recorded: h=2 m=12
